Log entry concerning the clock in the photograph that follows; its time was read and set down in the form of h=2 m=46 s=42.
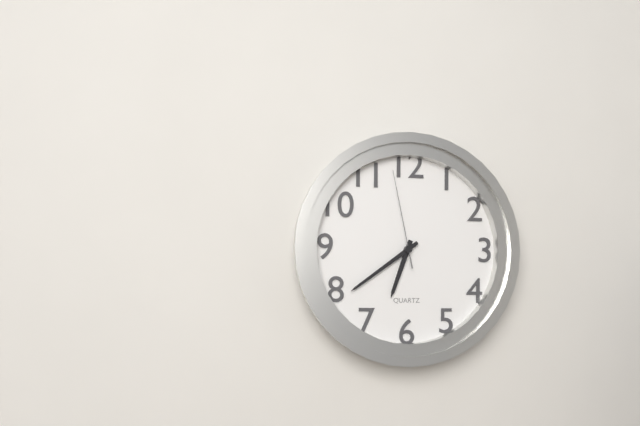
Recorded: h=6 m=39 s=58
